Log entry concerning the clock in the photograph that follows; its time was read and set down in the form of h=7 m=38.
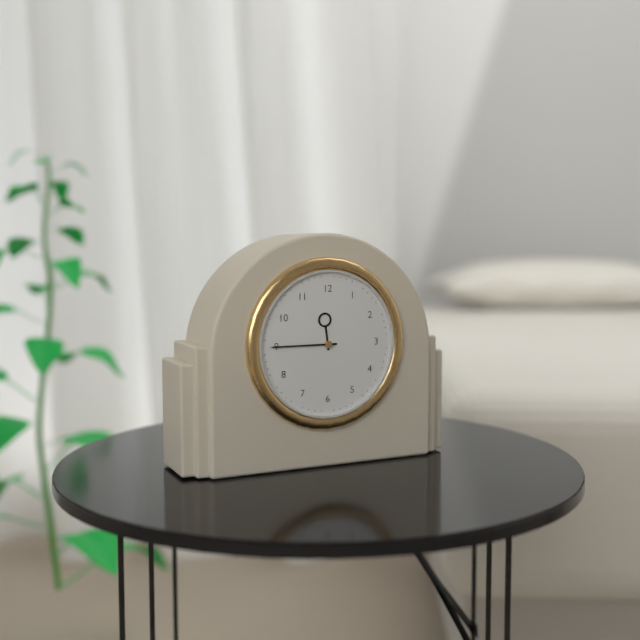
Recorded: h=11 m=45
